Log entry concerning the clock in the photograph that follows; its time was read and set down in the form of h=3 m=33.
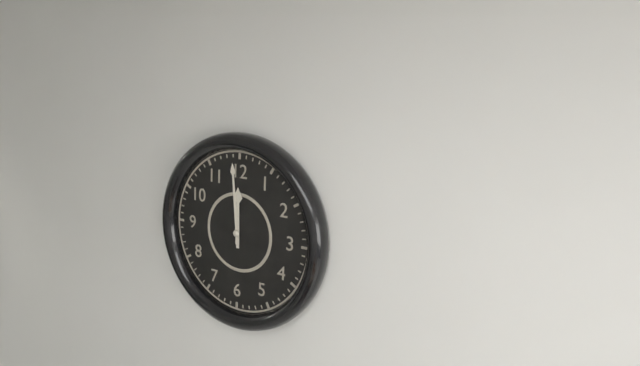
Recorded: h=11 m=59
